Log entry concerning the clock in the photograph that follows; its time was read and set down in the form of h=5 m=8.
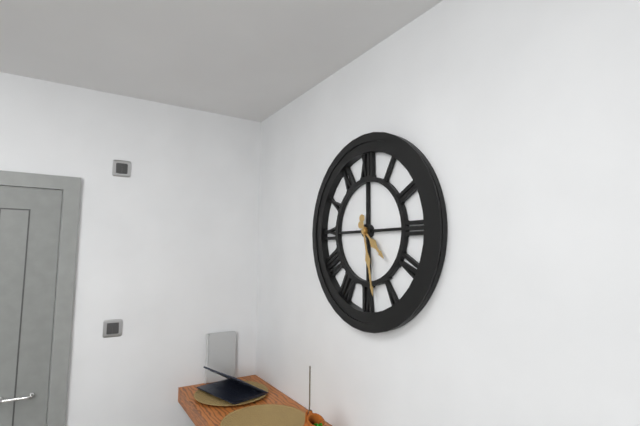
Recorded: h=4 m=28
